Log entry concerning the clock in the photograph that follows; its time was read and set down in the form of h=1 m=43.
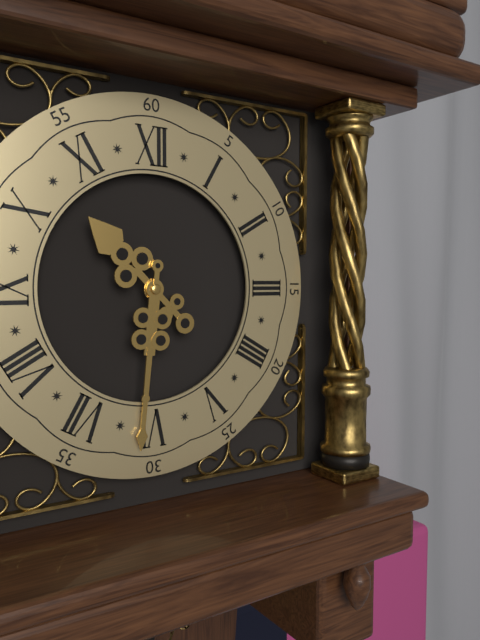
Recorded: h=10 m=31
